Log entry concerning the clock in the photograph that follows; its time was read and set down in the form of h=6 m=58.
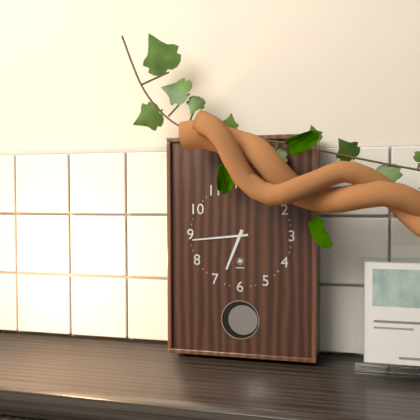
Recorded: h=6 m=44
